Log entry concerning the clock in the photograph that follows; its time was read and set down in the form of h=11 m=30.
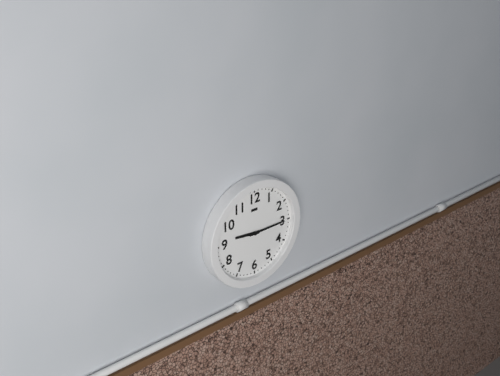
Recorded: h=9 m=15
